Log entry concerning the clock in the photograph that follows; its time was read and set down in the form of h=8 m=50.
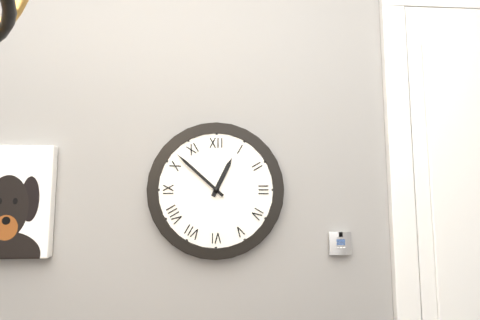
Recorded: h=12 m=52
